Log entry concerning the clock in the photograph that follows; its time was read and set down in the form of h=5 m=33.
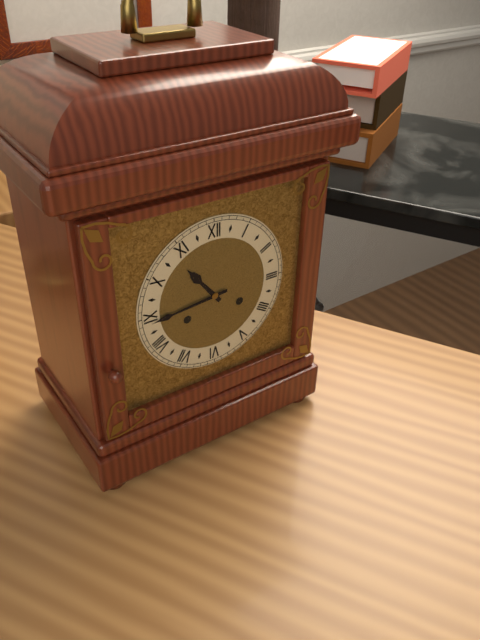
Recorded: h=10 m=44
